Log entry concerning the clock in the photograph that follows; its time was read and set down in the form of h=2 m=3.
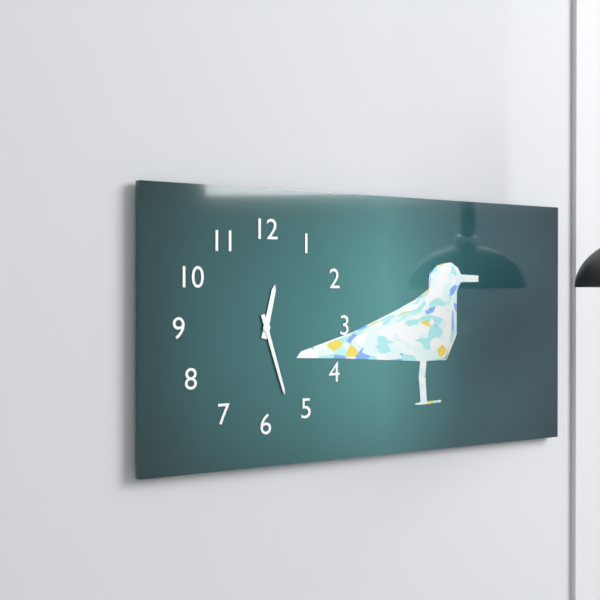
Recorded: h=12 m=27
